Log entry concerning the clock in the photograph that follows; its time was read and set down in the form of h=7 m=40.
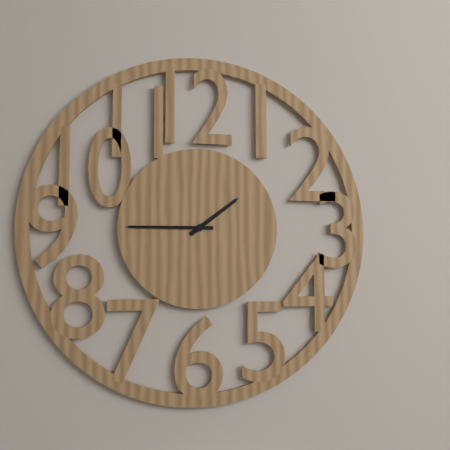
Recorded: h=1 m=45
